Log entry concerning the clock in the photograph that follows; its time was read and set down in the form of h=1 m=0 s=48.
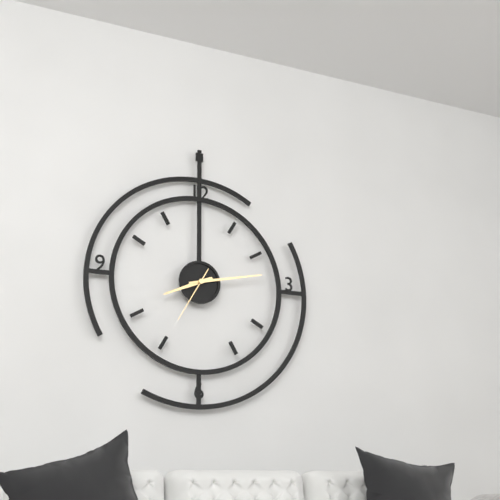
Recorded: h=8 m=13 s=35
